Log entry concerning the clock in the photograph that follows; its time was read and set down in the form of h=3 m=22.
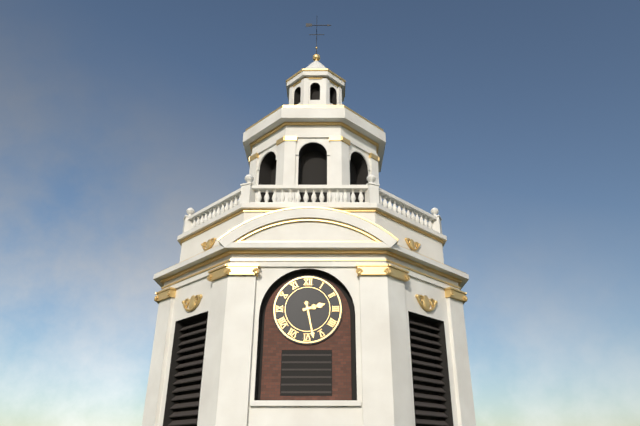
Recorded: h=2 m=28
